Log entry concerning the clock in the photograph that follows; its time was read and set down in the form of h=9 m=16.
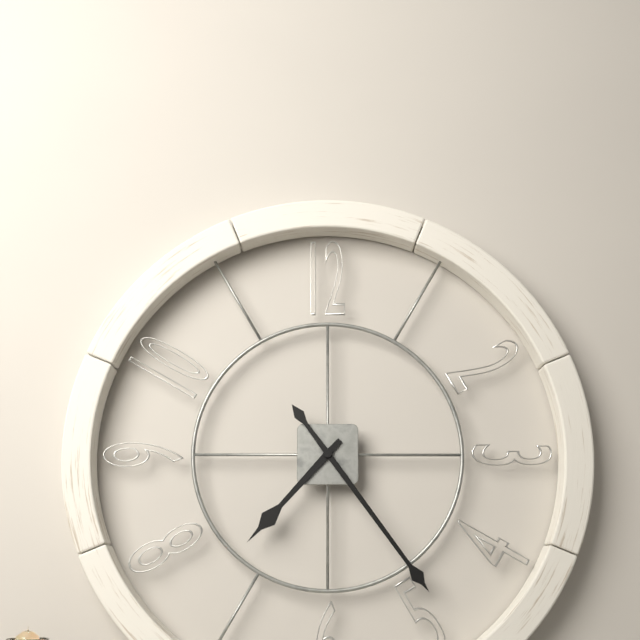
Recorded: h=7 m=24
